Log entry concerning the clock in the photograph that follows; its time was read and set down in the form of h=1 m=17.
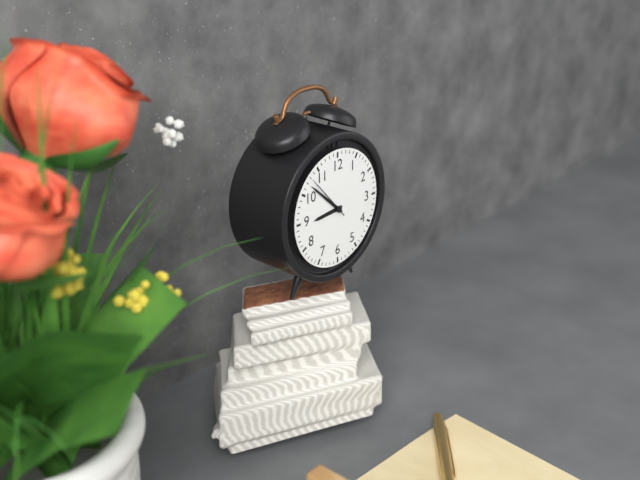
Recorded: h=8 m=52
